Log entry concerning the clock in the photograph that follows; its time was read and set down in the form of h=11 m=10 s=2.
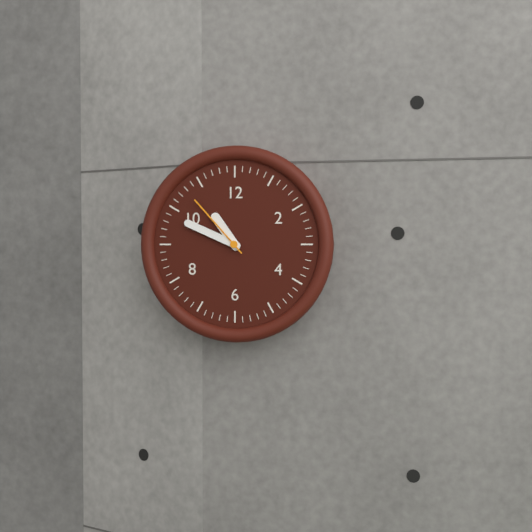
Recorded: h=10 m=49 s=53
